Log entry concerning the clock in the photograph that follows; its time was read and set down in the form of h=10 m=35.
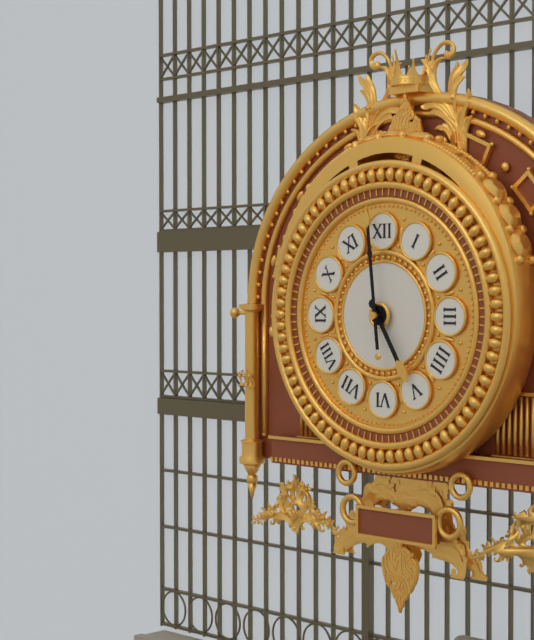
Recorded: h=4 m=59
